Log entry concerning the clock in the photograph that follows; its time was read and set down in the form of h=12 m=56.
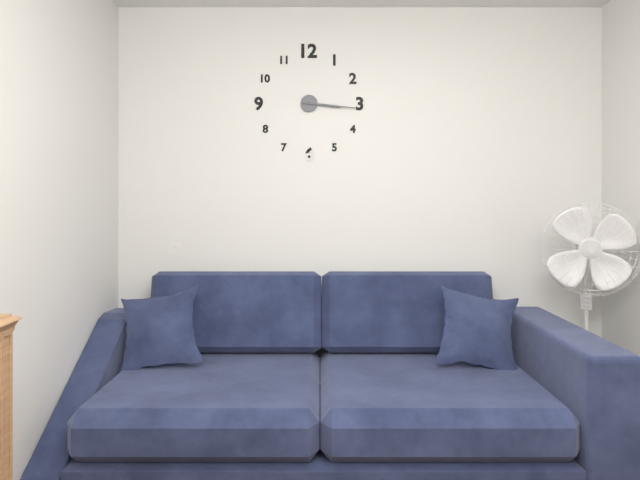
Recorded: h=3 m=16
